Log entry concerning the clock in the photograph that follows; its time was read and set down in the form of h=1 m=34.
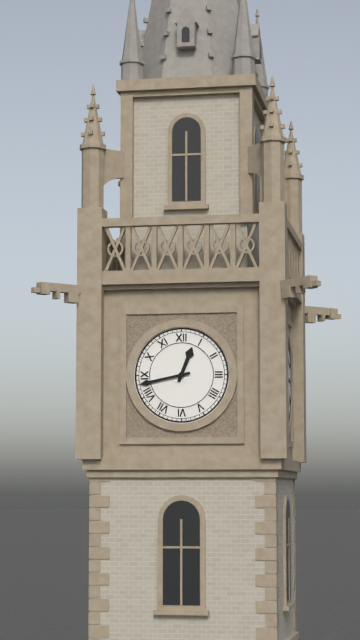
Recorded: h=12 m=43
